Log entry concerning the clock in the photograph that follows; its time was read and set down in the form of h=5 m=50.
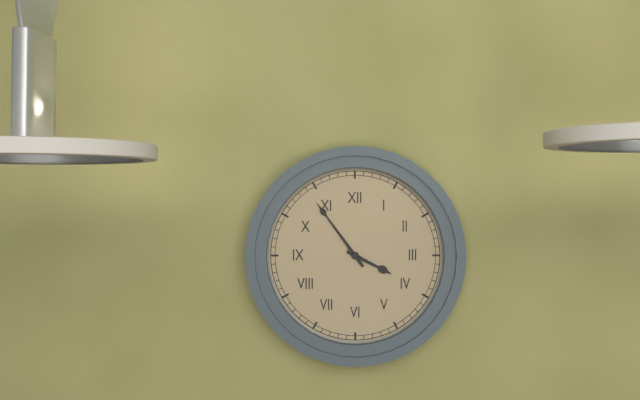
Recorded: h=3 m=54
